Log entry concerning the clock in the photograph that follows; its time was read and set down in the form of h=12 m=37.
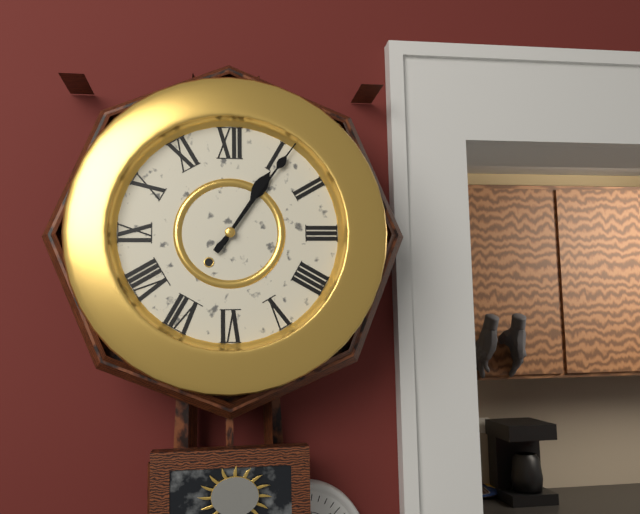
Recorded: h=1 m=6
